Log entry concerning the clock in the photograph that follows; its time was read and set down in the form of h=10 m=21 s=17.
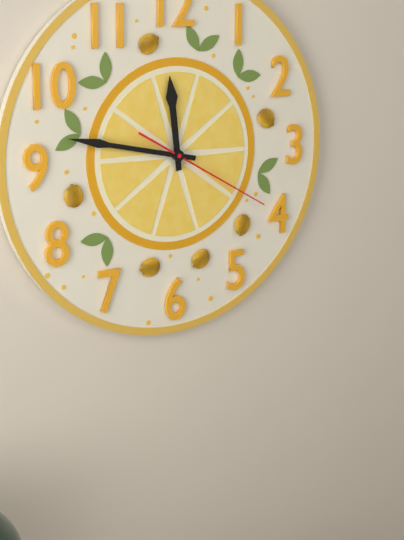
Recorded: h=11 m=47 s=20
